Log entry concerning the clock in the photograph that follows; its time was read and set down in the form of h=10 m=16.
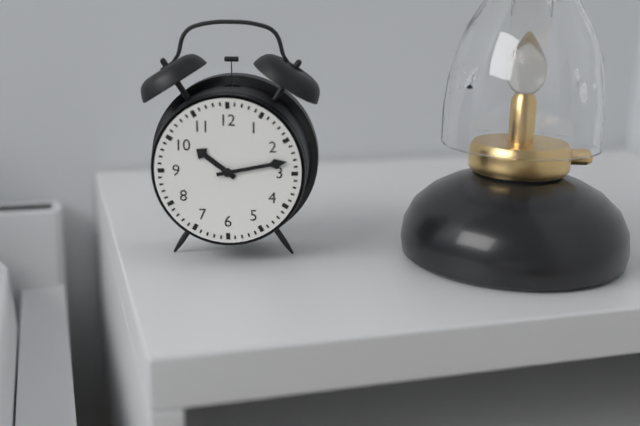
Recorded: h=10 m=13
